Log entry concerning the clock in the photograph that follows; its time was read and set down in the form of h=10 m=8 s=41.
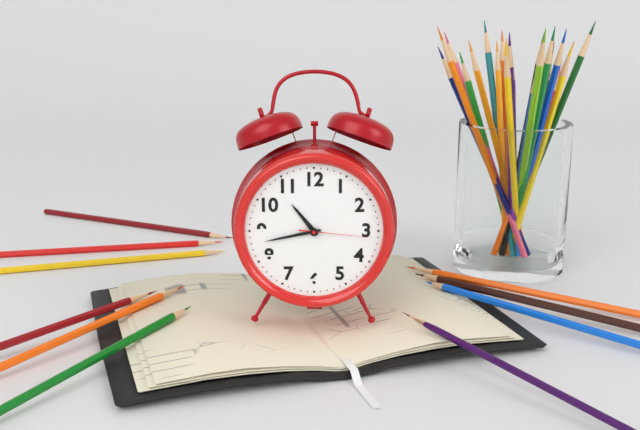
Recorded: h=10 m=43 s=16
